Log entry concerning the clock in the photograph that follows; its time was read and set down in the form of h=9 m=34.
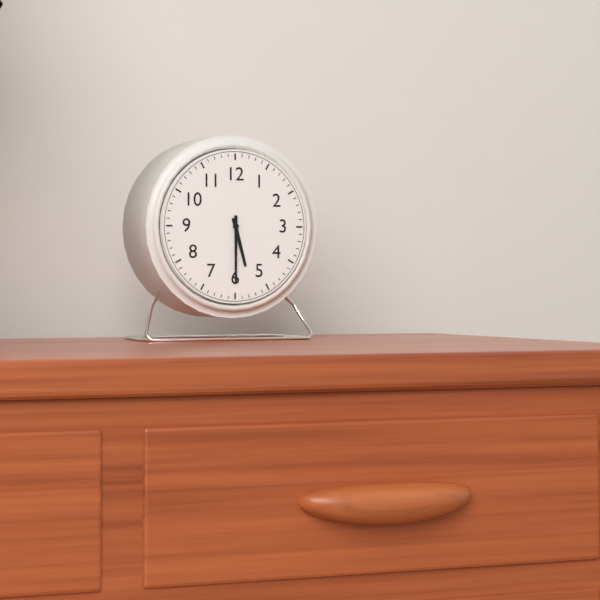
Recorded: h=5 m=30
